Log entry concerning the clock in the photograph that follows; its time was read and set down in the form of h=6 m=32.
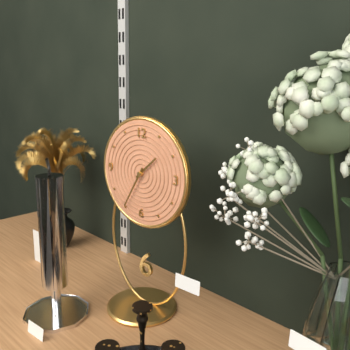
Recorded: h=1 m=35
